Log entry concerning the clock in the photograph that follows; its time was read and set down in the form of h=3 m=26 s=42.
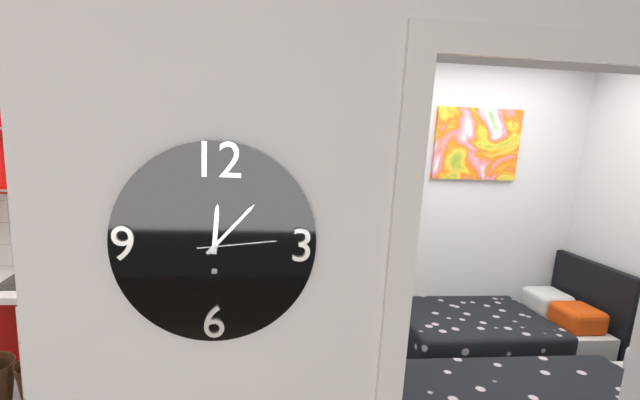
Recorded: h=12 m=7 s=14
